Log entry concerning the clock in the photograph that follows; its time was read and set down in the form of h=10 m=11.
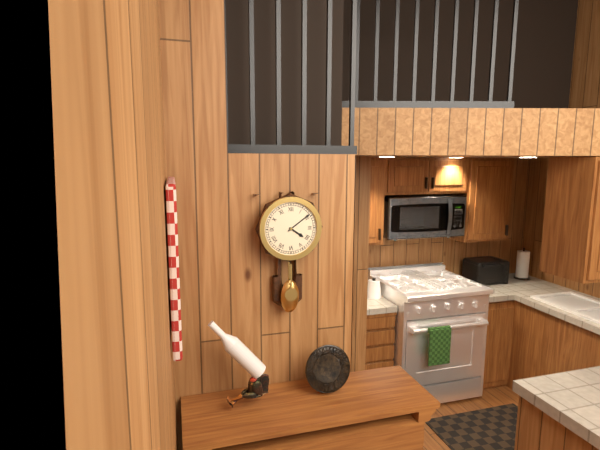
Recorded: h=4 m=9
